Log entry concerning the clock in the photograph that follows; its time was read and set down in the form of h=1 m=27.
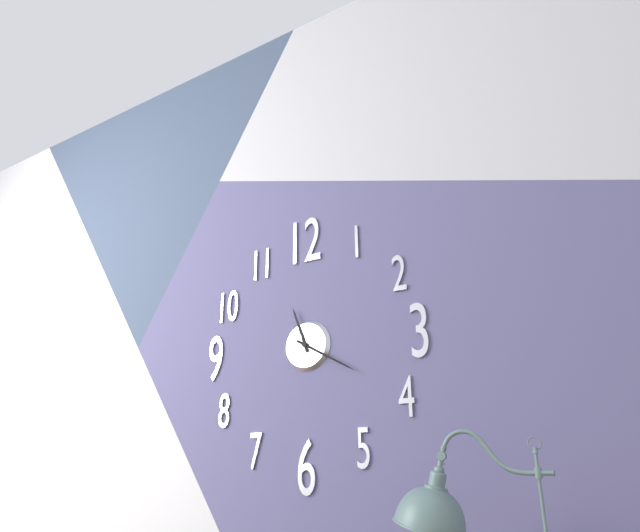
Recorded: h=11 m=20
